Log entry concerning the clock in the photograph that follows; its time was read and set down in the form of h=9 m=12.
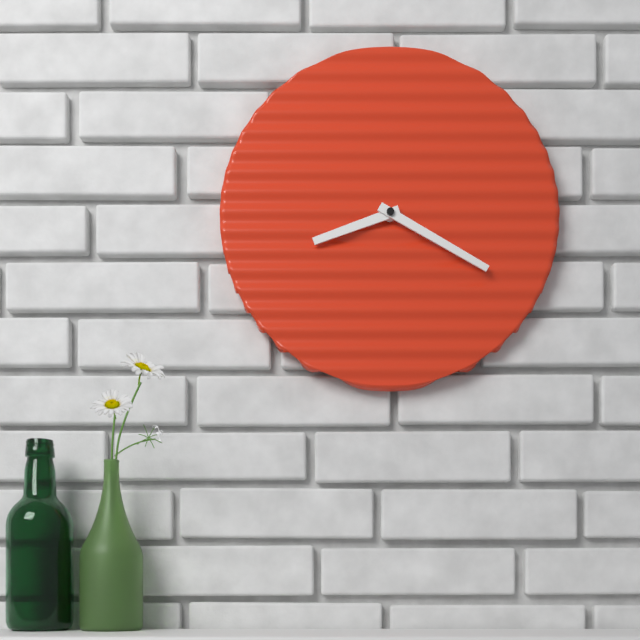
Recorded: h=8 m=20
